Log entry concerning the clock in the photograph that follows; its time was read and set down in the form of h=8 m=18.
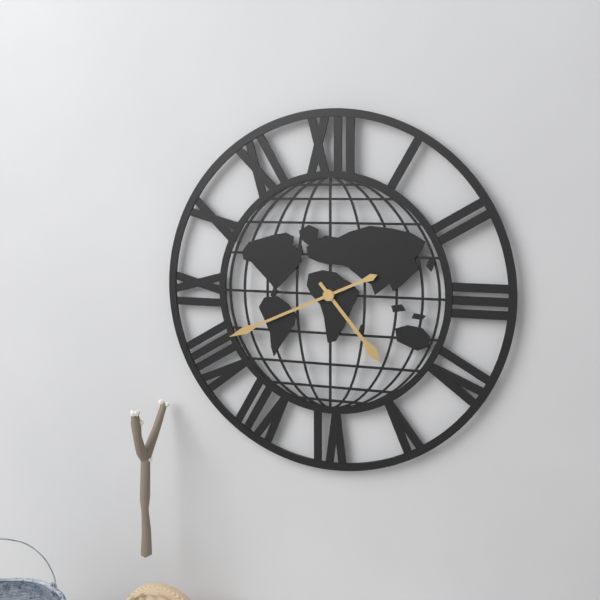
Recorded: h=4 m=41
